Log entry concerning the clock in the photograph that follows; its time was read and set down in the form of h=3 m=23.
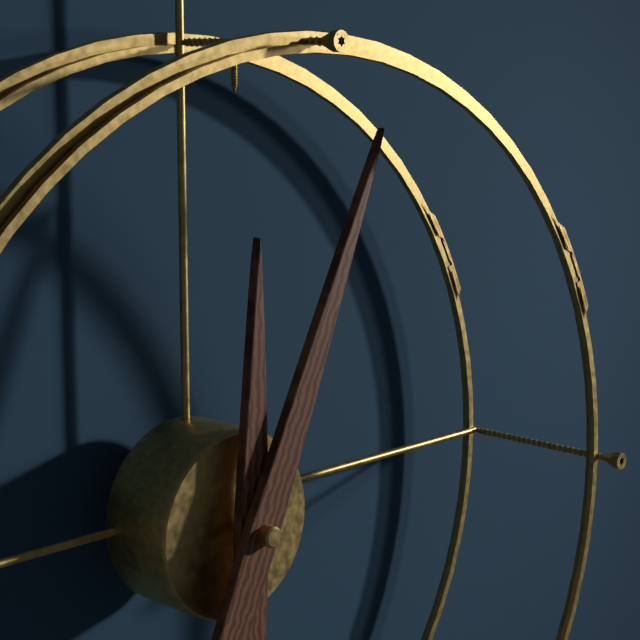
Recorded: h=12 m=4
